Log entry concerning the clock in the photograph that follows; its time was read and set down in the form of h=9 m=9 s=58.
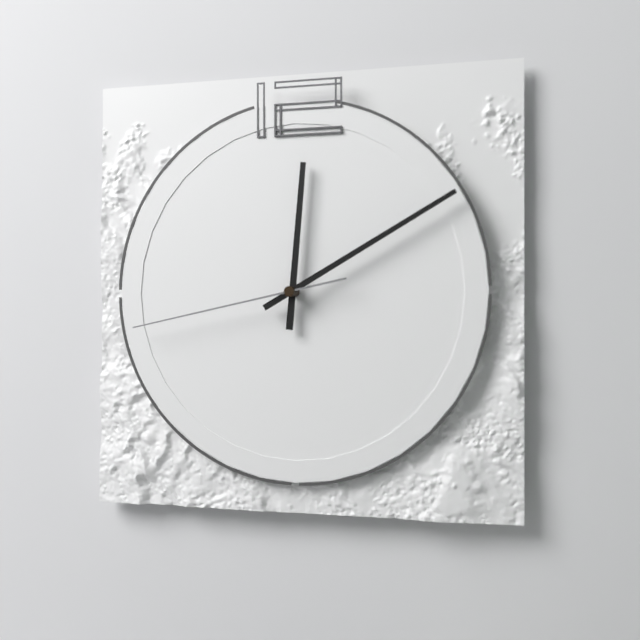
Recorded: h=12 m=10 s=43
